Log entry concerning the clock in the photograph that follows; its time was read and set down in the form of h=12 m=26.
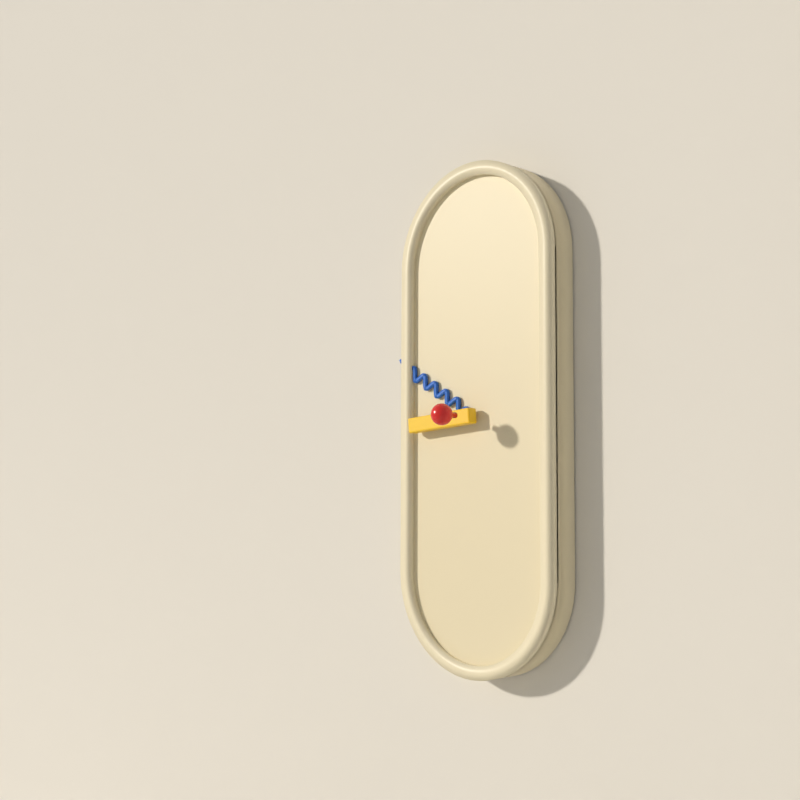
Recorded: h=8 m=50
